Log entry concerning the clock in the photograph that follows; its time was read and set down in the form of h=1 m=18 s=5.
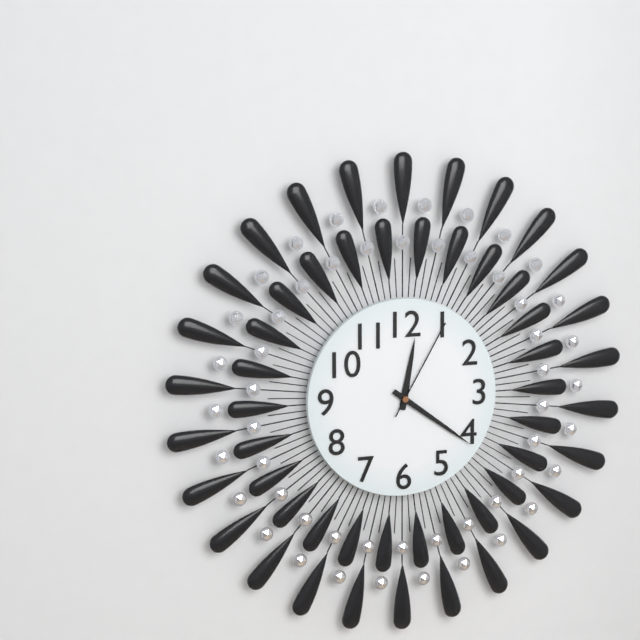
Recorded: h=12 m=21 s=5
